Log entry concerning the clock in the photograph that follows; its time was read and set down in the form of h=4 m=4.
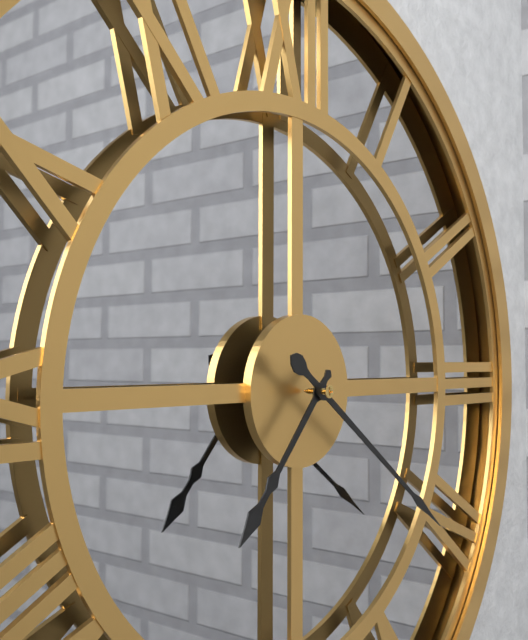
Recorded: h=7 m=21
